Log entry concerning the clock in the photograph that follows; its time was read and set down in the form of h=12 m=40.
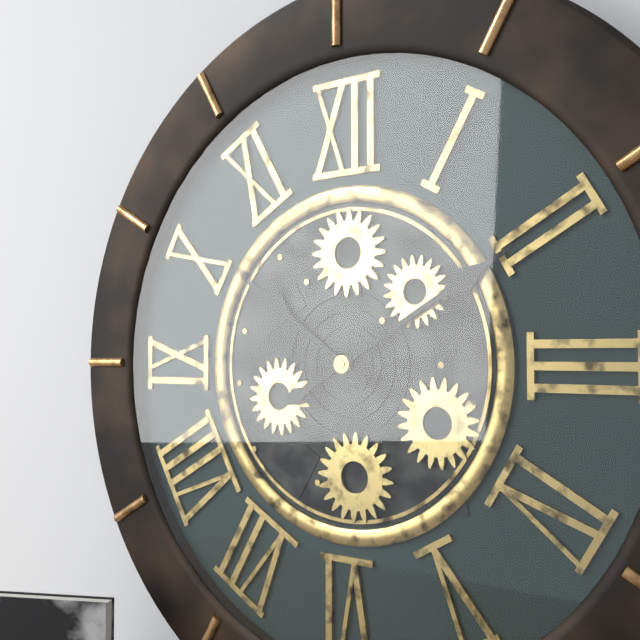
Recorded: h=10 m=10
